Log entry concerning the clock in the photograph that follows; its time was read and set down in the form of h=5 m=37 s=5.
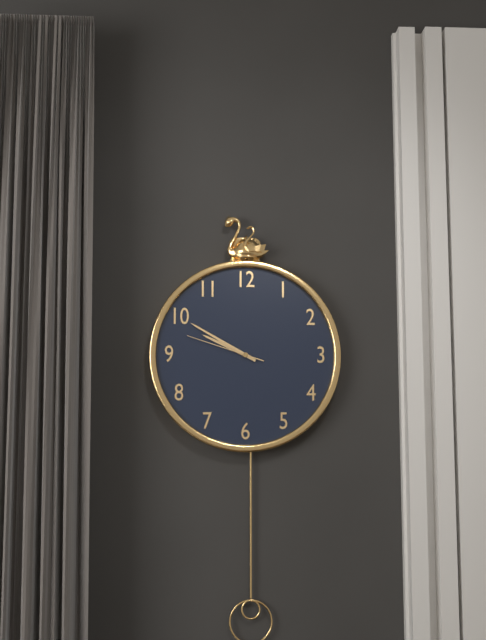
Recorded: h=9 m=50 s=48
